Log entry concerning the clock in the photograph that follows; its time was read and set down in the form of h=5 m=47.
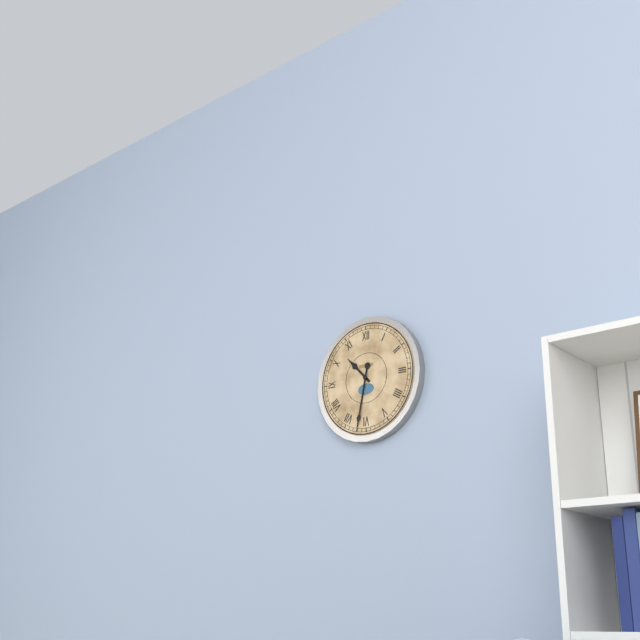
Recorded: h=10 m=32
